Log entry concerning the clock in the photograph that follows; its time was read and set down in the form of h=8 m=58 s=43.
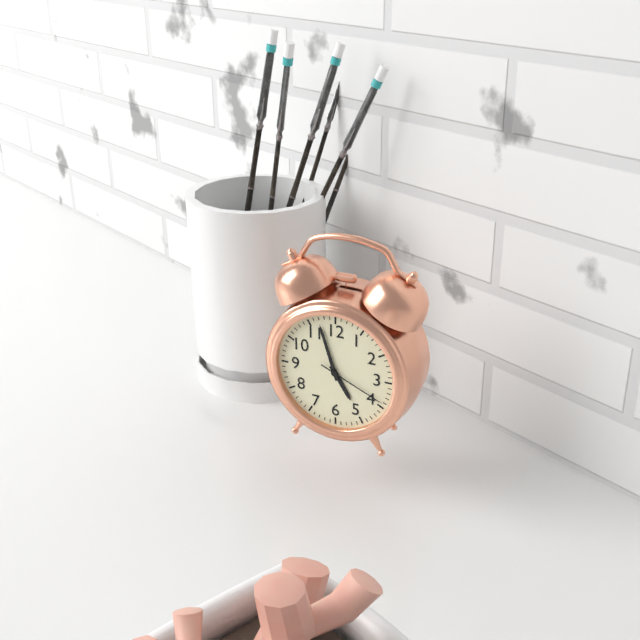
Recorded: h=4 m=57 s=19
